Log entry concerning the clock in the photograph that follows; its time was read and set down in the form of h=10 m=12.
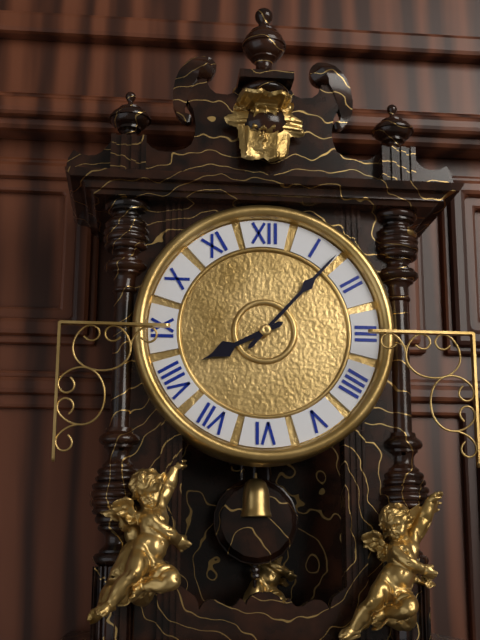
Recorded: h=8 m=7
